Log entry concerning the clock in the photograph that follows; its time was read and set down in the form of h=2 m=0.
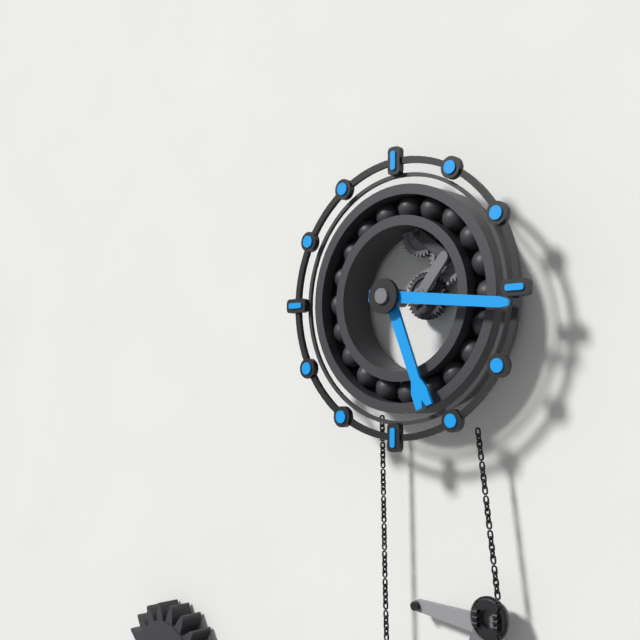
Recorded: h=5 m=16
